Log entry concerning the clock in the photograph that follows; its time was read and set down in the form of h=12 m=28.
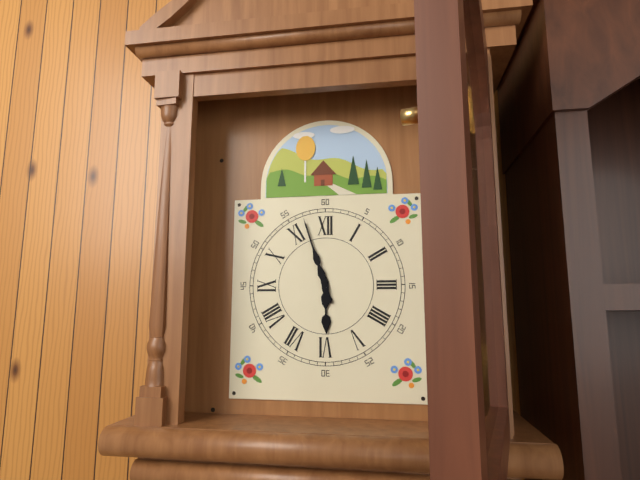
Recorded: h=5 m=57
